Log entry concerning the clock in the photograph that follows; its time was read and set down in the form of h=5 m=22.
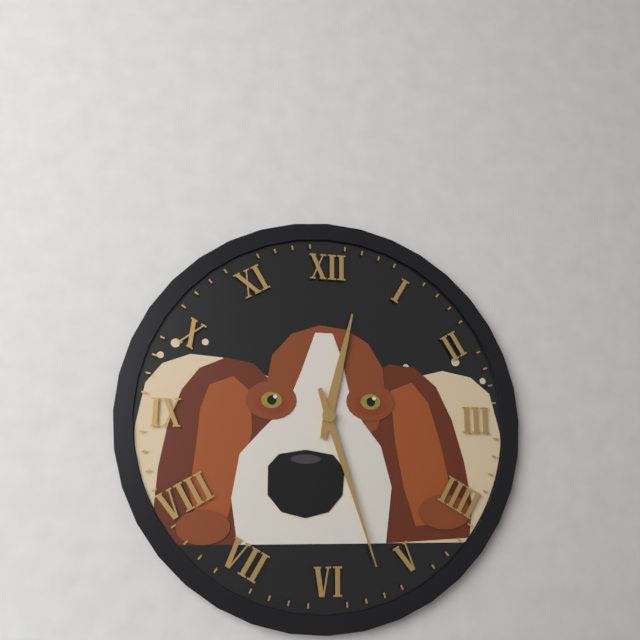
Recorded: h=12 m=27
